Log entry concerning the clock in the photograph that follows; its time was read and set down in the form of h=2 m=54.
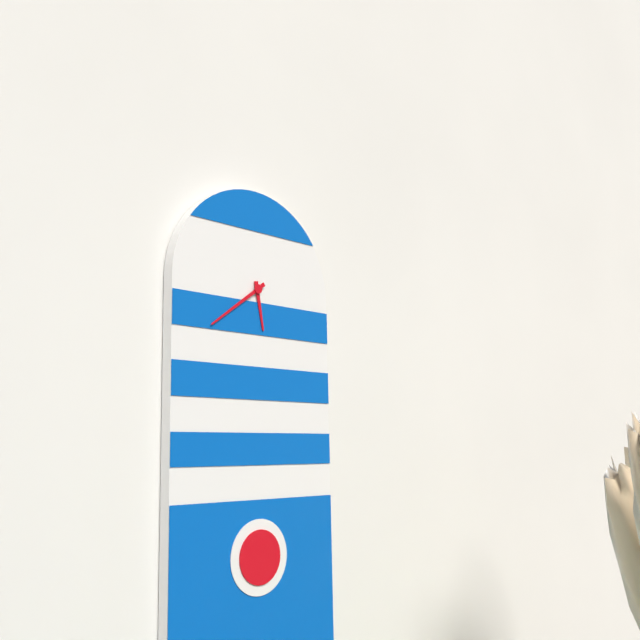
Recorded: h=5 m=39
